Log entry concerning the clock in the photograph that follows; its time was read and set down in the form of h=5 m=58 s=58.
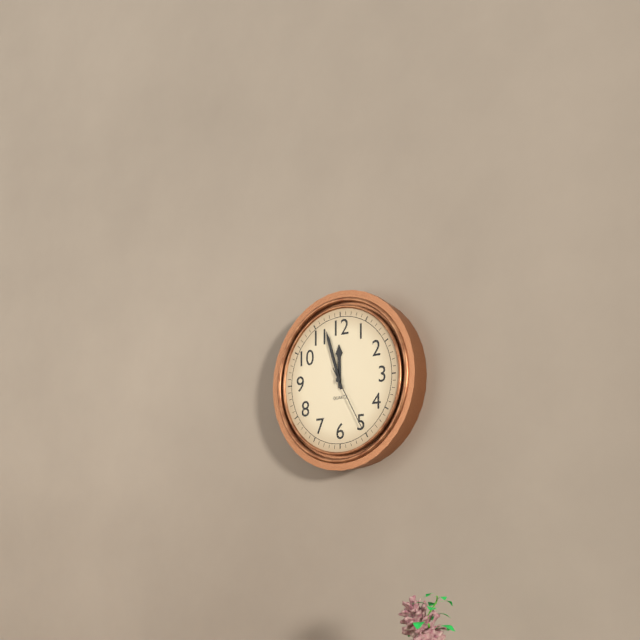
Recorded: h=11 m=57 s=25
